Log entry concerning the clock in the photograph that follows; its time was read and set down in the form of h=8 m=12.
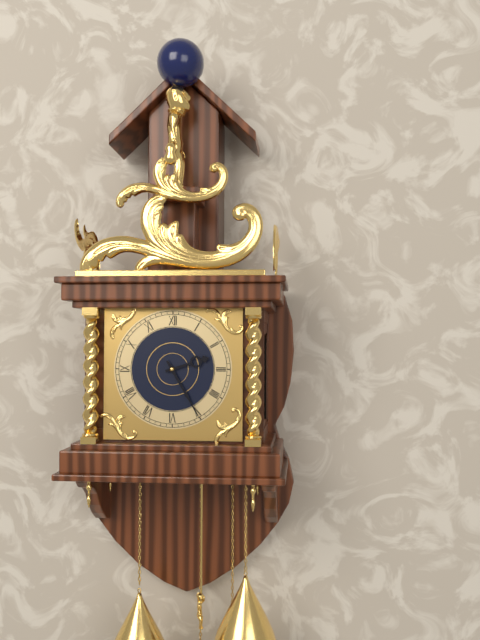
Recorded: h=2 m=25
